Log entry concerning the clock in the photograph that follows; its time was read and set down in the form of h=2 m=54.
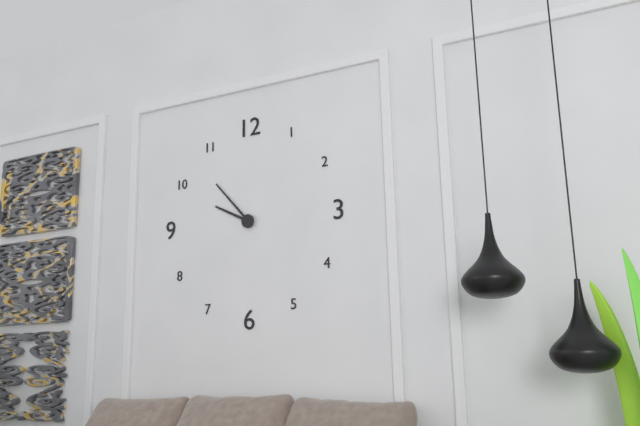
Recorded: h=9 m=53
